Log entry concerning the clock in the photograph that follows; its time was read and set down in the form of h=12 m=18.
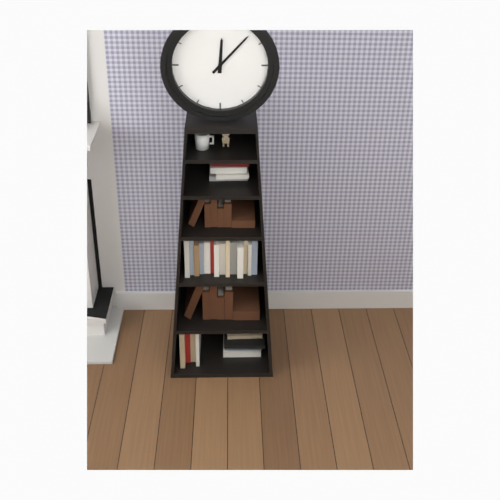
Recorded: h=12 m=7
